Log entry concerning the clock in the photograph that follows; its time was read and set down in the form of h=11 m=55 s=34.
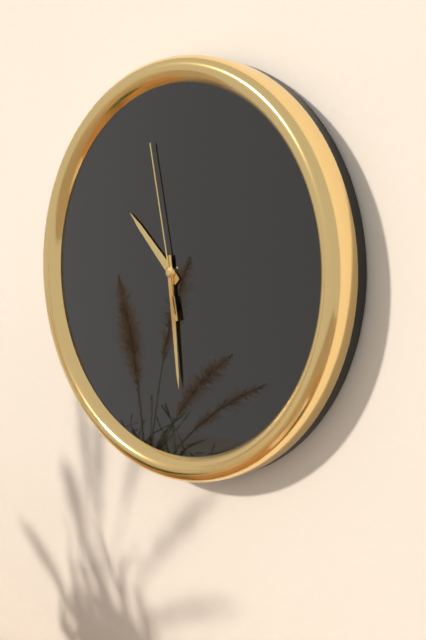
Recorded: h=10 m=29 s=58
